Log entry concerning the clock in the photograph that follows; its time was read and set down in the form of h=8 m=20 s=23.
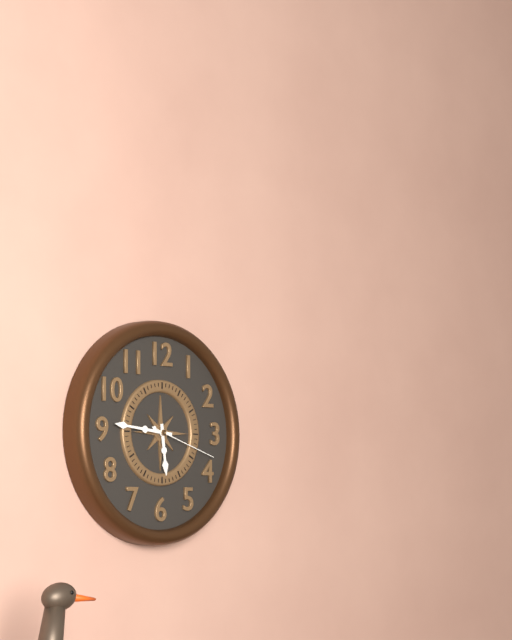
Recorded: h=5 m=46 s=18
